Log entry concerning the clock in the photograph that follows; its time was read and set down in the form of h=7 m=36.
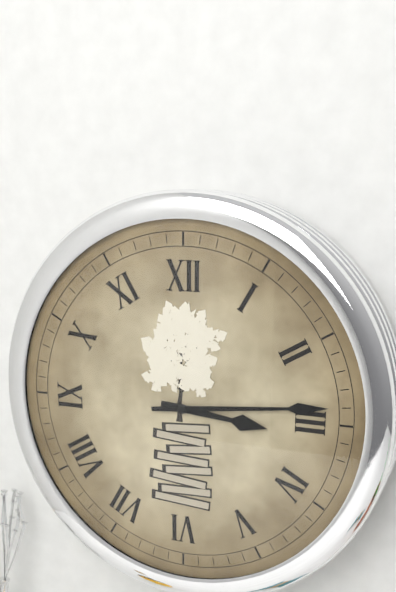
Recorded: h=3 m=14
